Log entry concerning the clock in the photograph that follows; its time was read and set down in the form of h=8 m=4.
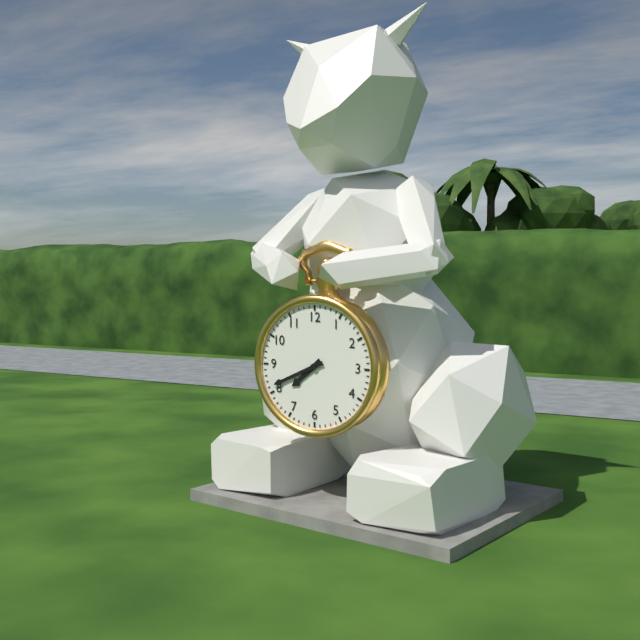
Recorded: h=7 m=41
